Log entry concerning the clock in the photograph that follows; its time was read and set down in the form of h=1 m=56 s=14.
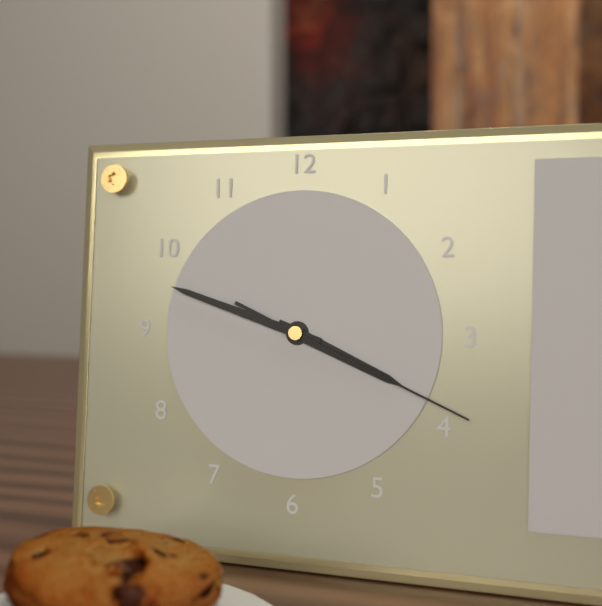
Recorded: h=3 m=48 s=19
